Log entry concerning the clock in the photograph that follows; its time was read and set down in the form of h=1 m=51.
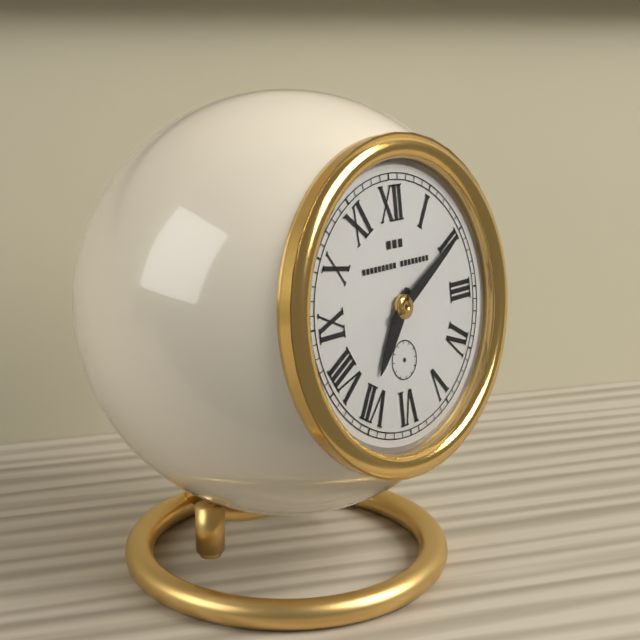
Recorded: h=7 m=10
